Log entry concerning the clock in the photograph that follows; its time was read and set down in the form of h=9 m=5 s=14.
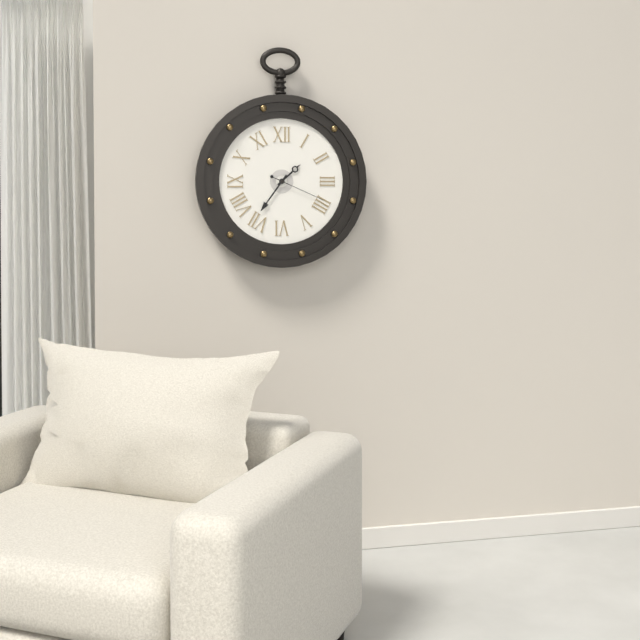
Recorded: h=1 m=36 s=19
